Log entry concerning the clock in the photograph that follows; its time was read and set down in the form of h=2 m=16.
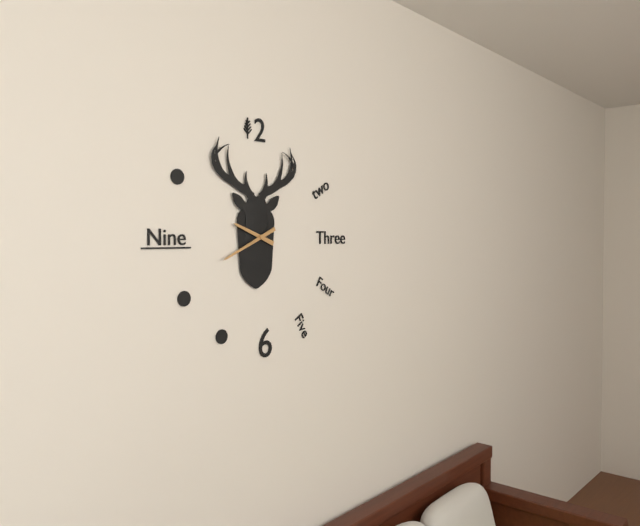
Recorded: h=9 m=41
